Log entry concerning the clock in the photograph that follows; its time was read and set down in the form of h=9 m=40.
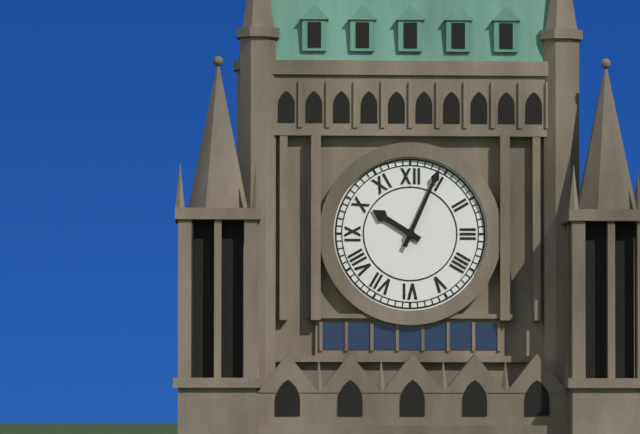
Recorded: h=10 m=4
